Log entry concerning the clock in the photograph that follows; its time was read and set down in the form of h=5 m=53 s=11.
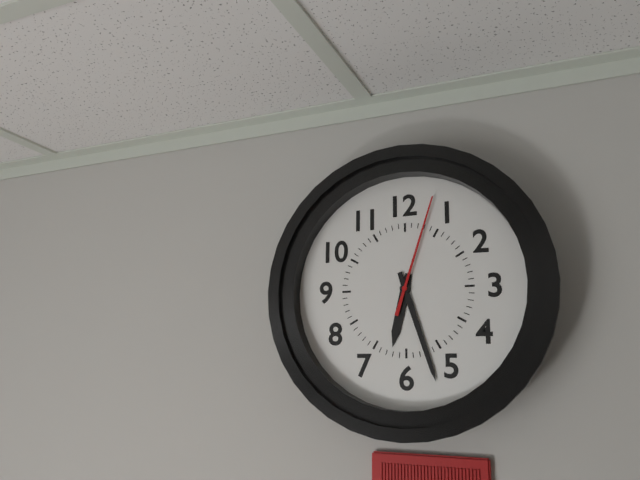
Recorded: h=6 m=27 s=3
